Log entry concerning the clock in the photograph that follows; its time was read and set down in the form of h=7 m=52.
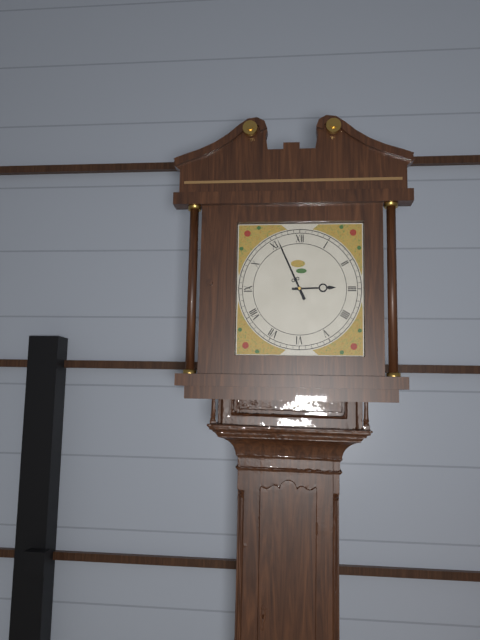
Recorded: h=2 m=56
